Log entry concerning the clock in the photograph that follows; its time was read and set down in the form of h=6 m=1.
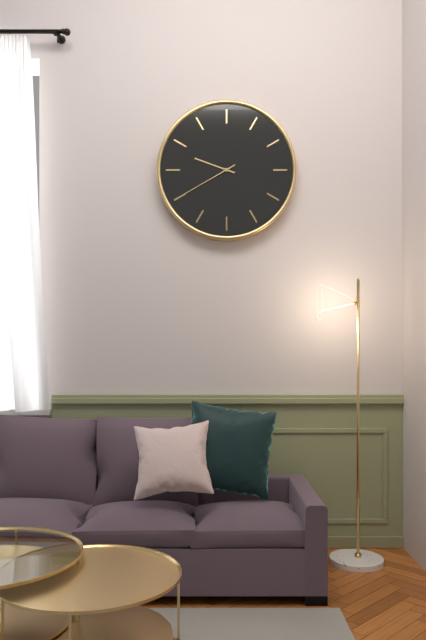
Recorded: h=9 m=40
